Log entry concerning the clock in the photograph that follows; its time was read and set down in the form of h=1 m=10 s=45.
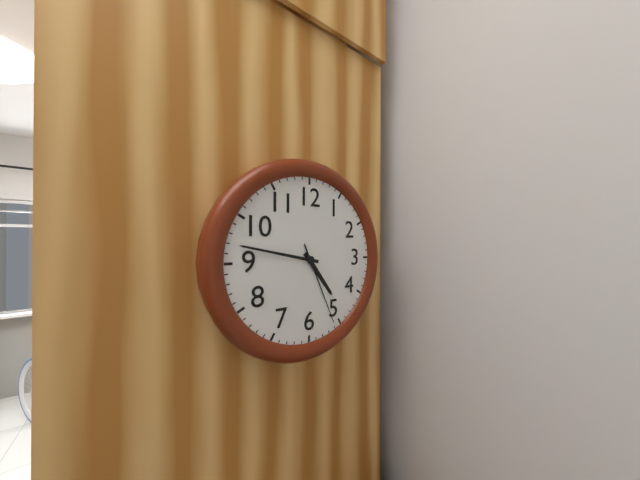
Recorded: h=4 m=47 s=26
